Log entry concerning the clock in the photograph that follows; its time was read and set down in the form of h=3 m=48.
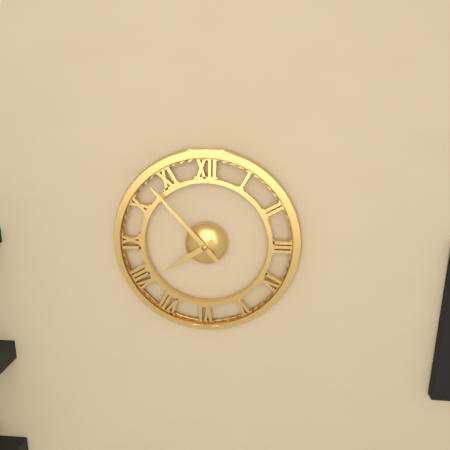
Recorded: h=7 m=53
